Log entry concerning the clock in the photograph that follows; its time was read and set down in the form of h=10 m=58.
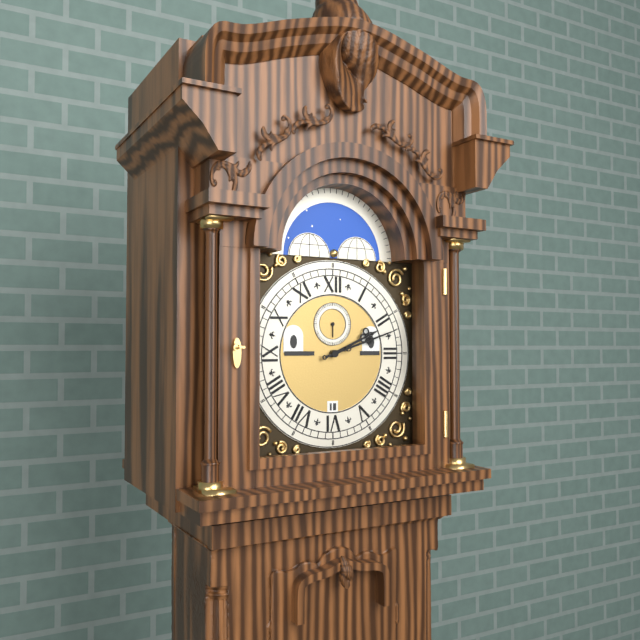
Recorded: h=2 m=12
